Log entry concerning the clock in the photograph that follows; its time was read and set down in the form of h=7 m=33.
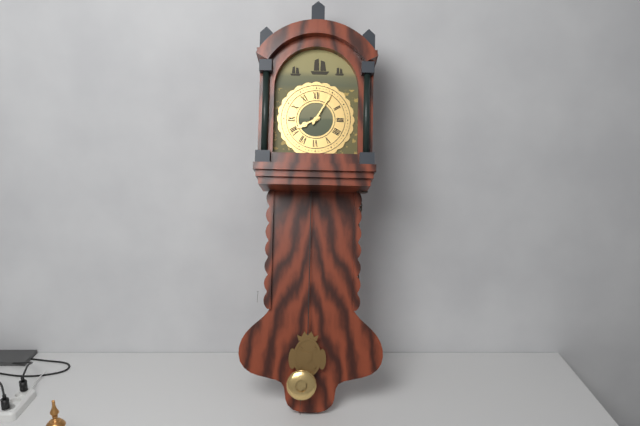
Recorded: h=8 m=5
